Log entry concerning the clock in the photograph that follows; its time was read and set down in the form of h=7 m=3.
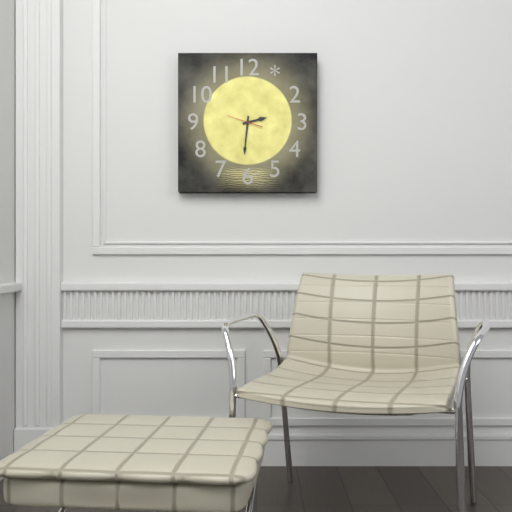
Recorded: h=2 m=31
